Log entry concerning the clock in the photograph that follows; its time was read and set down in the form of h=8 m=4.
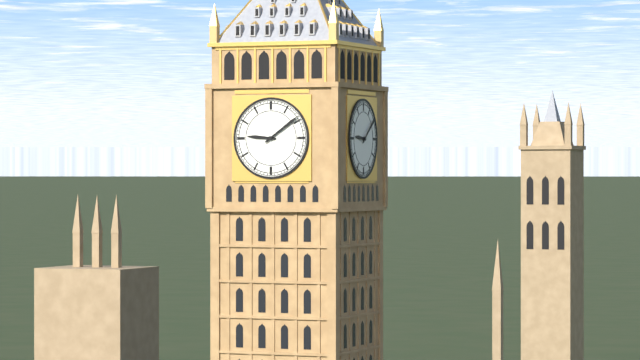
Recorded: h=9 m=9
